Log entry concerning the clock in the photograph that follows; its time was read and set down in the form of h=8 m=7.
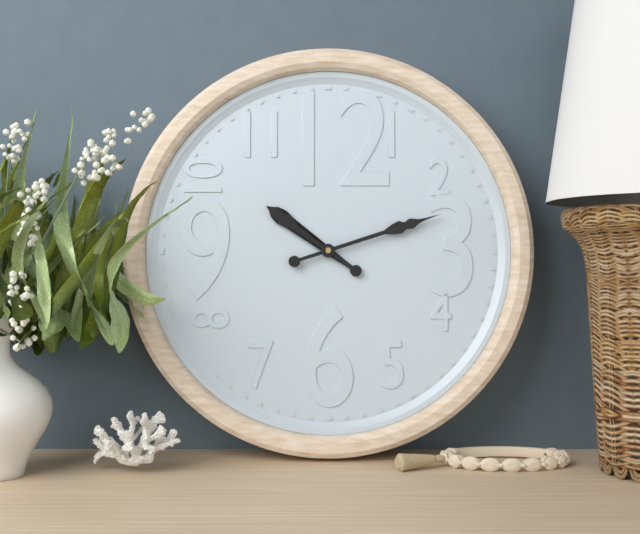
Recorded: h=10 m=12
